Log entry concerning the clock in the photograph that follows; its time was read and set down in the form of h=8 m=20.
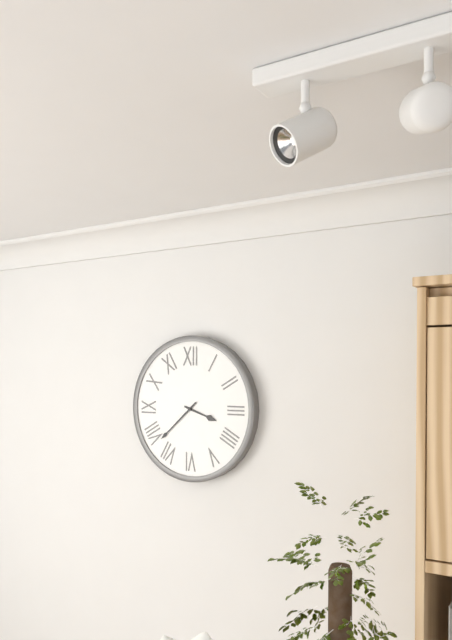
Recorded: h=3 m=38
